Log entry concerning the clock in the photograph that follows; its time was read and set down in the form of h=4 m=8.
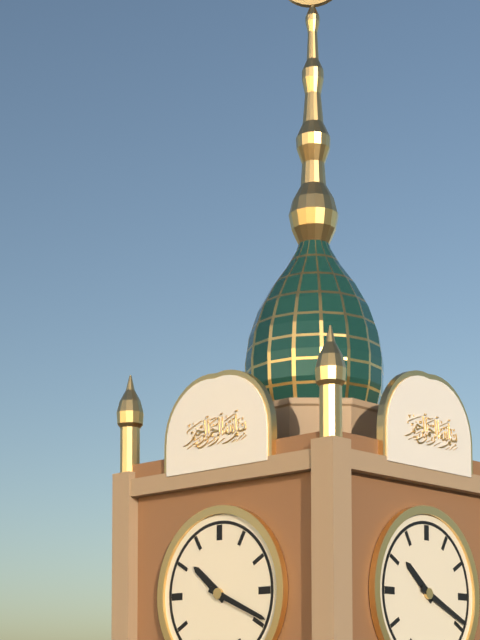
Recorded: h=10 m=19
